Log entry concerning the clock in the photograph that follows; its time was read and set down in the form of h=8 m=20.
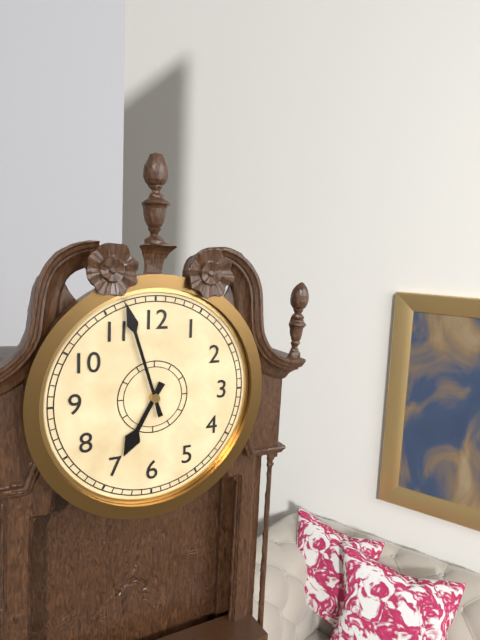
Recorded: h=6 m=57
